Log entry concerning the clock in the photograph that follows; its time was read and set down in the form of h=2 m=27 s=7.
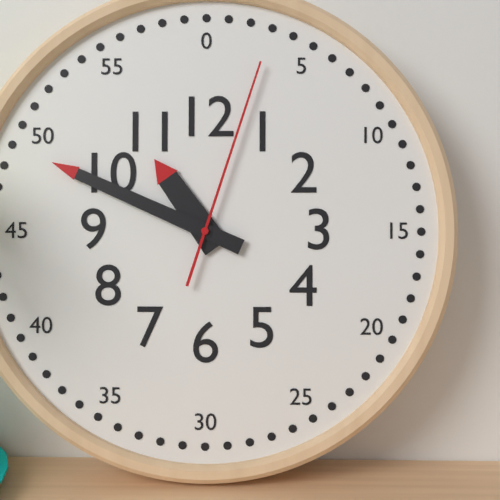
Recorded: h=10 m=49 s=3
